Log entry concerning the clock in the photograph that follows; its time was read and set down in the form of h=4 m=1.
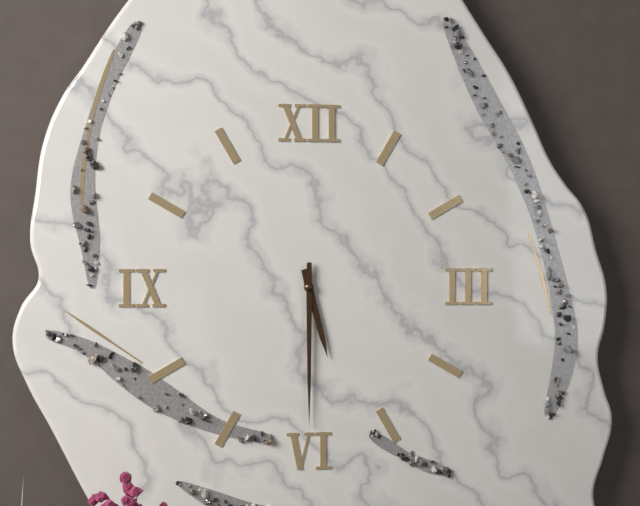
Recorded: h=5 m=30
